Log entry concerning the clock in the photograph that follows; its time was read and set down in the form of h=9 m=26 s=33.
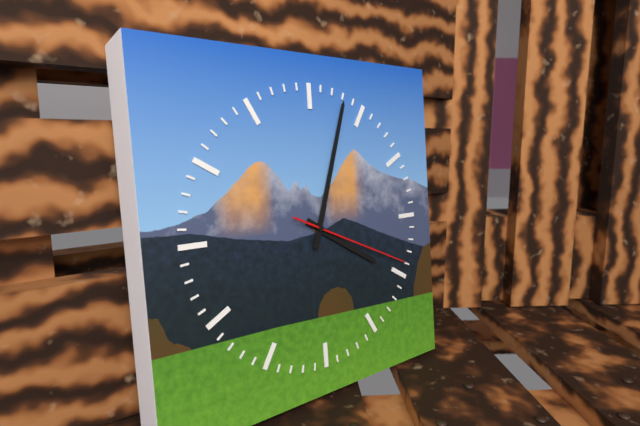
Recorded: h=4 m=3 s=19
